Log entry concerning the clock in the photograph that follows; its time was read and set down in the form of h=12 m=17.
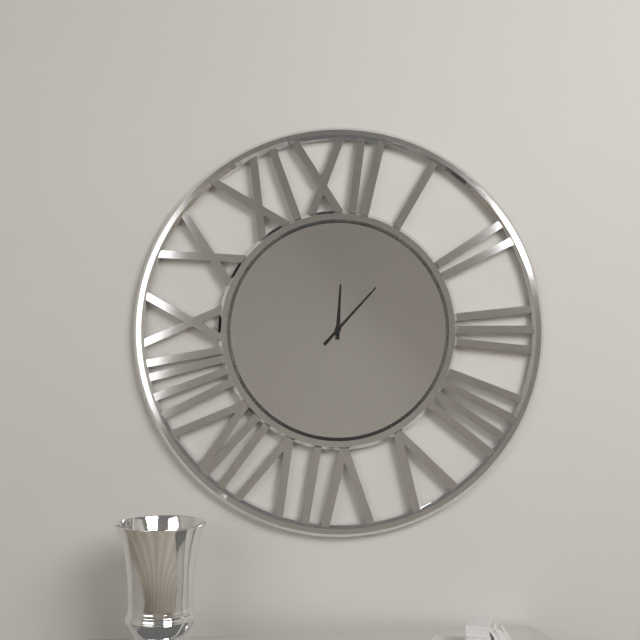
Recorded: h=12 m=7
